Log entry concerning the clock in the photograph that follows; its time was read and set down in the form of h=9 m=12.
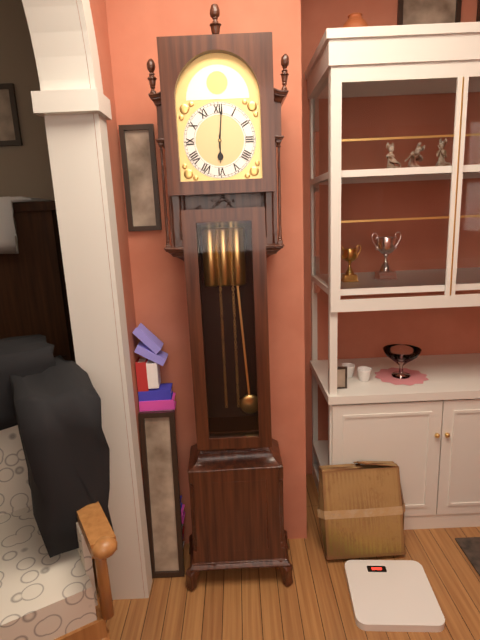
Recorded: h=6 m=1
